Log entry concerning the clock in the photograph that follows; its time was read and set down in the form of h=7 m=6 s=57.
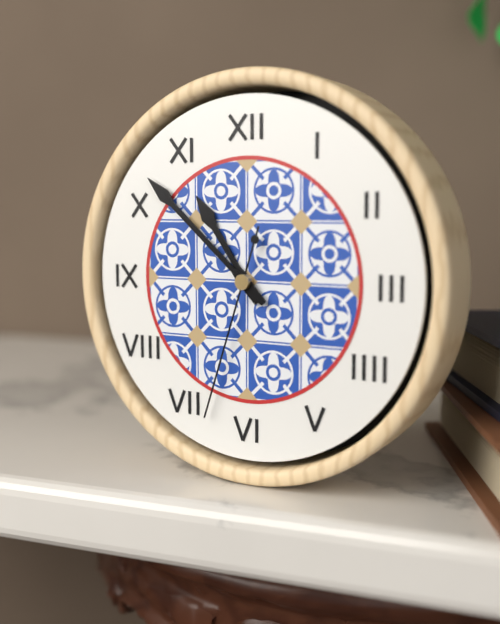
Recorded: h=10 m=52 s=33
